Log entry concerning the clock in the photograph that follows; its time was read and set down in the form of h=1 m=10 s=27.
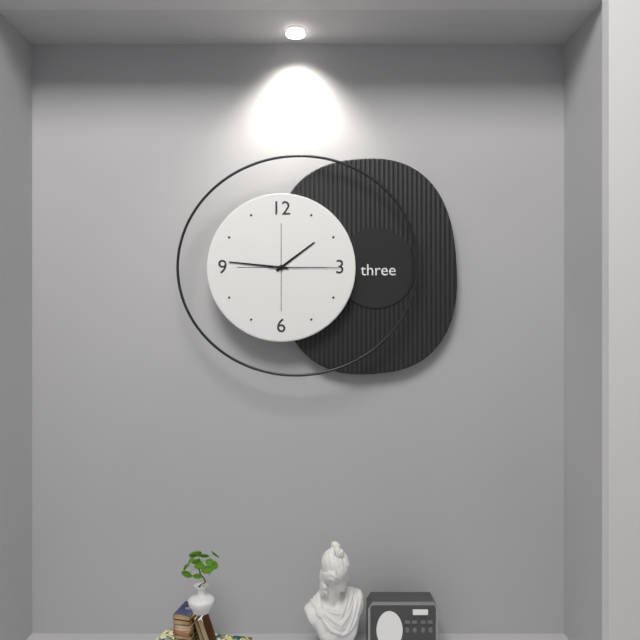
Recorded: h=1 m=46 s=15
